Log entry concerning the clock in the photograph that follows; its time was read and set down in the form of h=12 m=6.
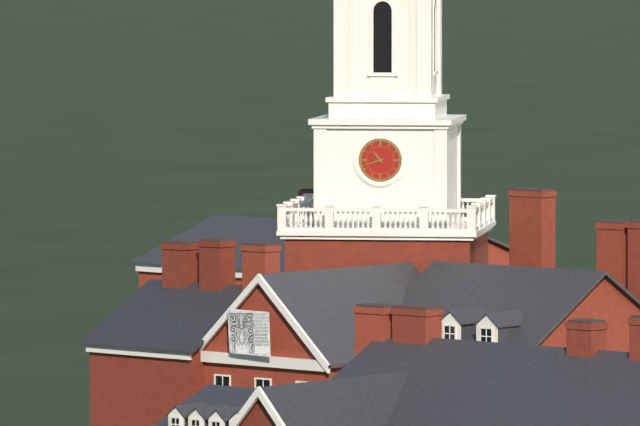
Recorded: h=10 m=42
